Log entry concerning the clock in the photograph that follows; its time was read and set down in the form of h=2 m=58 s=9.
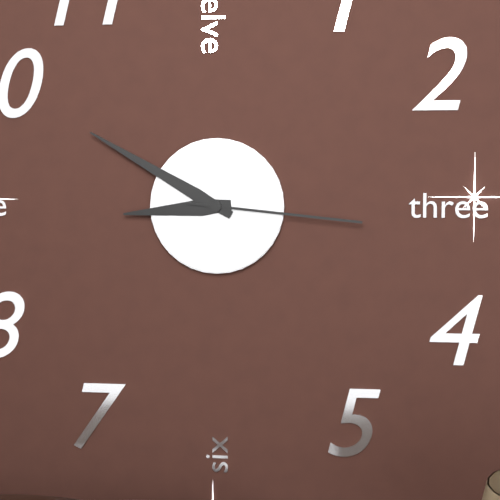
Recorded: h=8 m=50 s=16
